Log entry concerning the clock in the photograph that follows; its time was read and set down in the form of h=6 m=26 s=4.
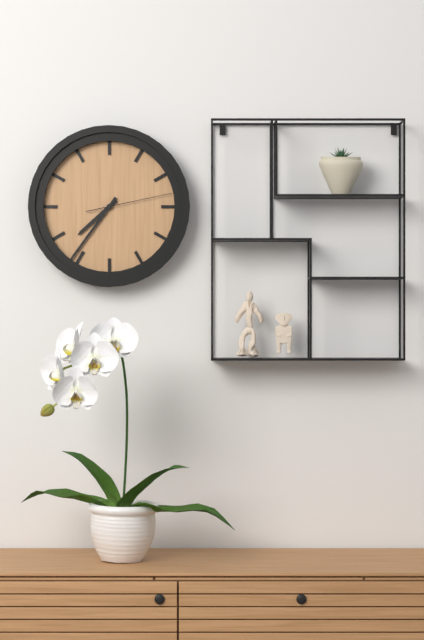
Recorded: h=7 m=36 s=13
